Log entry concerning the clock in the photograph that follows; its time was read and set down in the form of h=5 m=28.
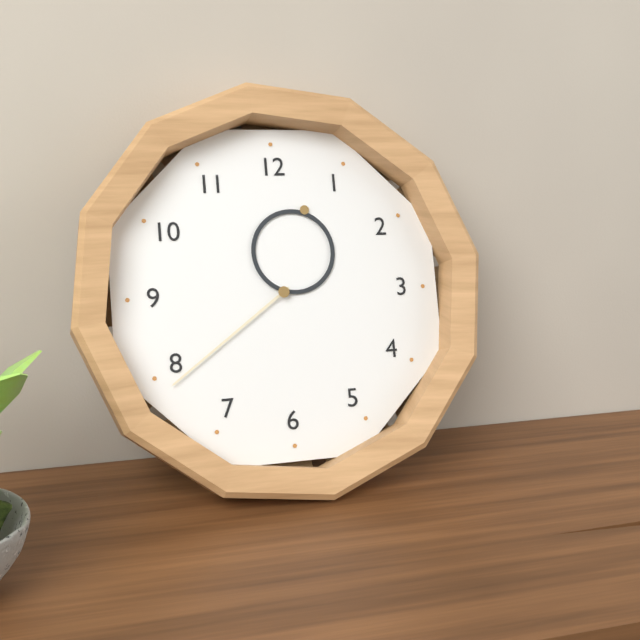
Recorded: h=12 m=39
